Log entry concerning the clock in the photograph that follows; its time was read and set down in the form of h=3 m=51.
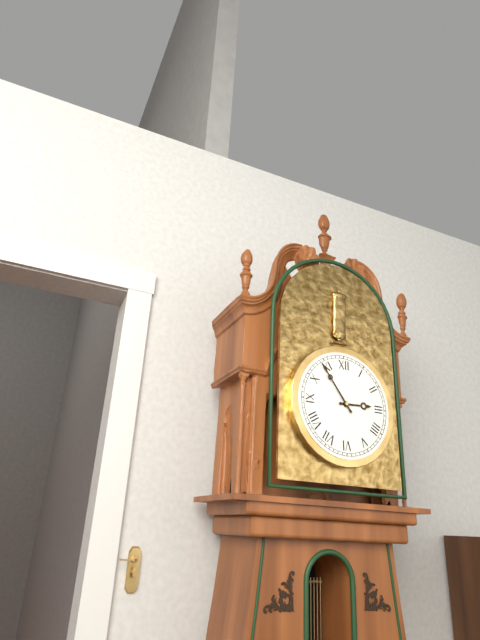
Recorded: h=2 m=54
